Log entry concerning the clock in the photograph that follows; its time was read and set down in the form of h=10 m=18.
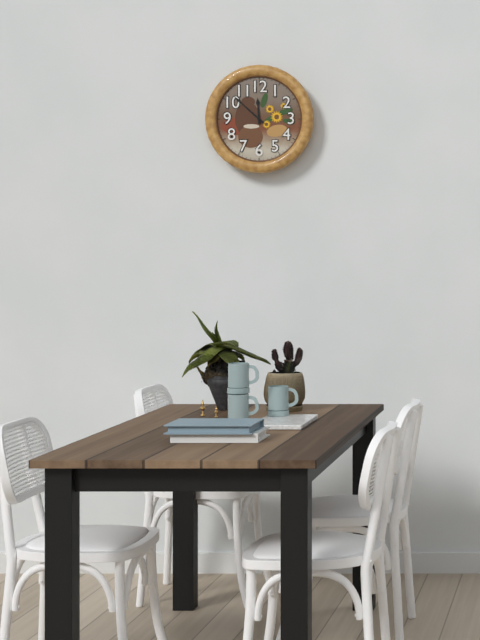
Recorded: h=11 m=52
